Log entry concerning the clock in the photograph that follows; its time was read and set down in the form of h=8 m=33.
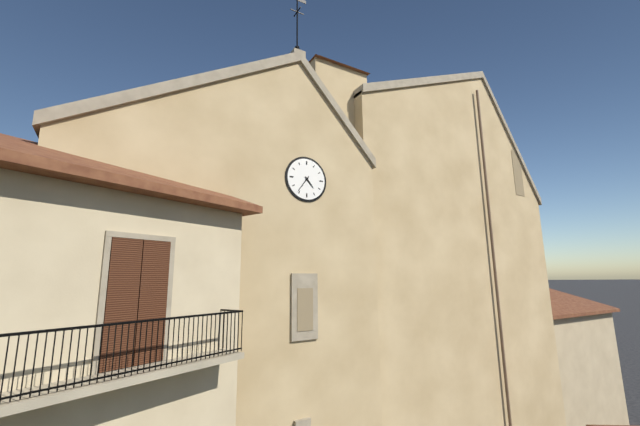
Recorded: h=4 m=36
